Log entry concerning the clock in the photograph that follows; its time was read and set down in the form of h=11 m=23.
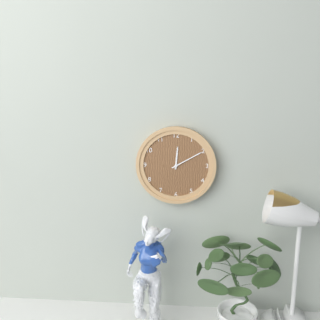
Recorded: h=12 m=10
